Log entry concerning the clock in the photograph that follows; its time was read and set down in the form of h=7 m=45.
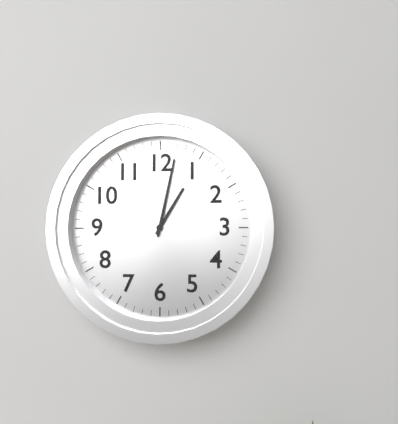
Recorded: h=1 m=2
